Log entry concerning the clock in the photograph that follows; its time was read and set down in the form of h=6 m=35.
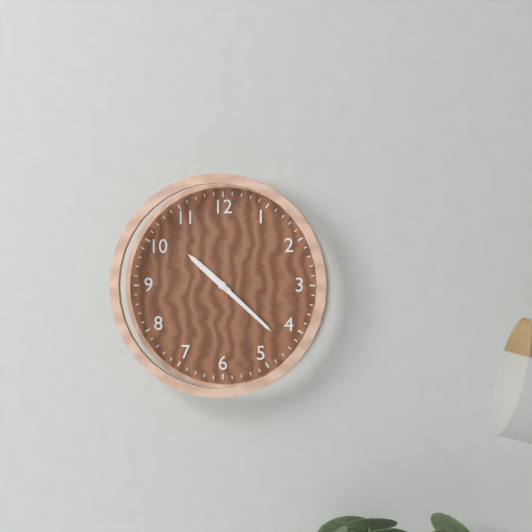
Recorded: h=10 m=22
